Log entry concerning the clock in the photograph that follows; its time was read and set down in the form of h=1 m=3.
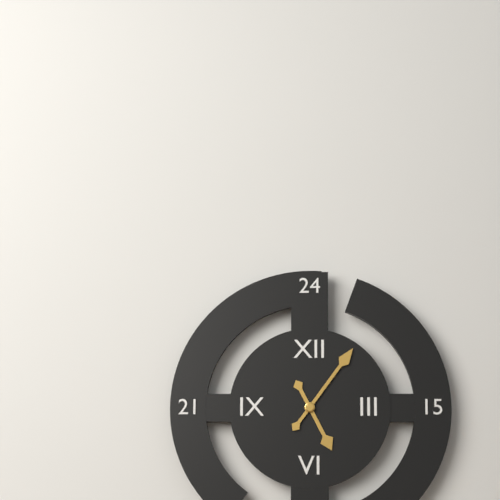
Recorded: h=5 m=6
